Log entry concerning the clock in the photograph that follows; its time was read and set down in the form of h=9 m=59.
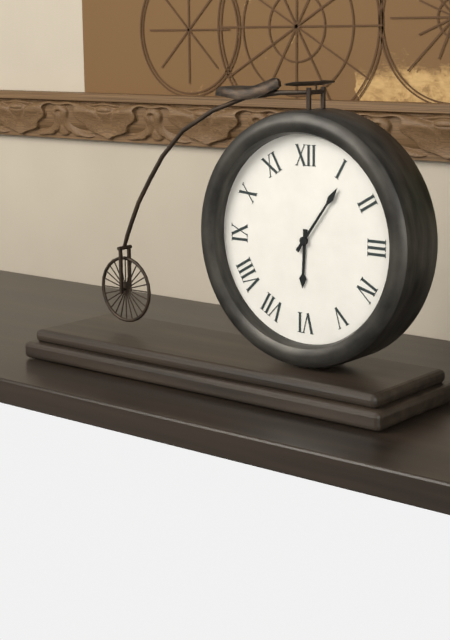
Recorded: h=6 m=6
